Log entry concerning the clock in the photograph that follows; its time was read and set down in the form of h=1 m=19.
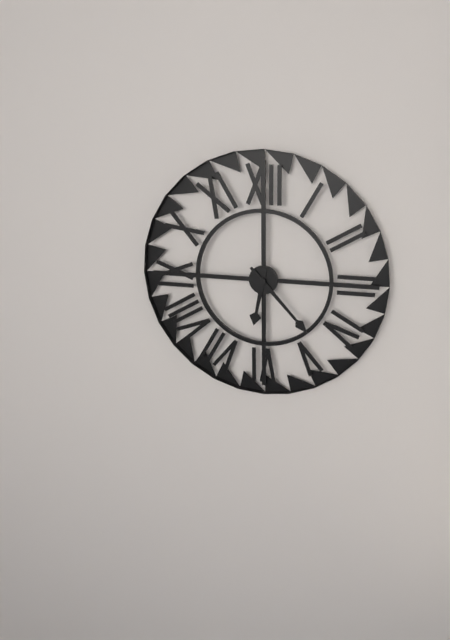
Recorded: h=6 m=23
